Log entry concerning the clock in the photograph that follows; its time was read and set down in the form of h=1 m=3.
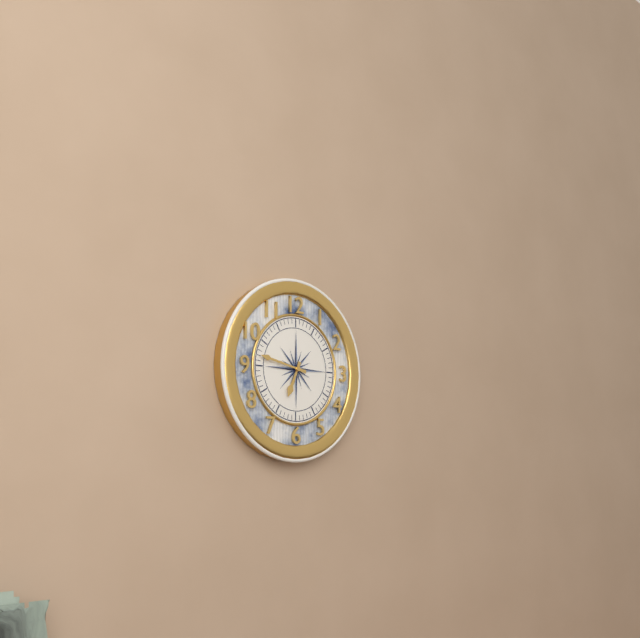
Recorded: h=6 m=47
